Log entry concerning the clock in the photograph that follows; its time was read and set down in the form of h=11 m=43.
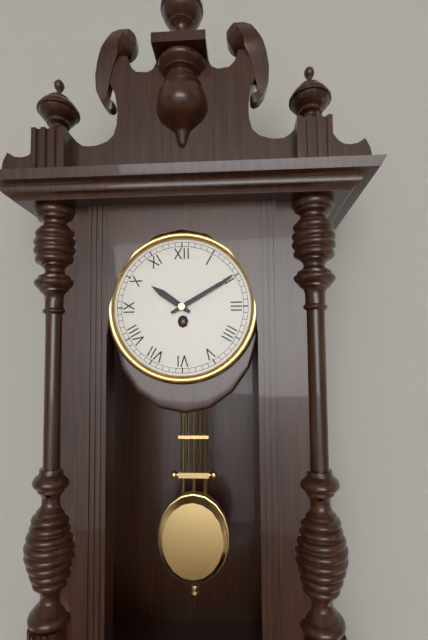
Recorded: h=10 m=10
